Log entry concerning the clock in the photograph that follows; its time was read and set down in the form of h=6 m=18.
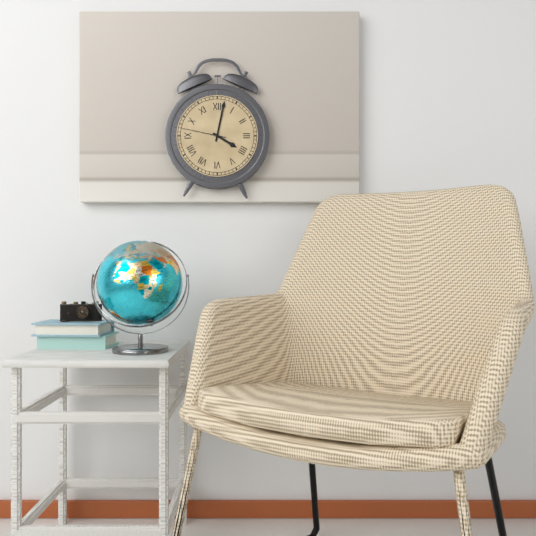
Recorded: h=4 m=2
